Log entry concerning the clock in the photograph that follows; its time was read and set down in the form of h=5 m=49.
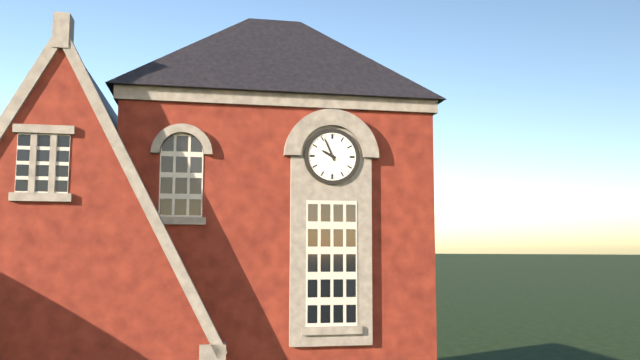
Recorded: h=9 m=56
